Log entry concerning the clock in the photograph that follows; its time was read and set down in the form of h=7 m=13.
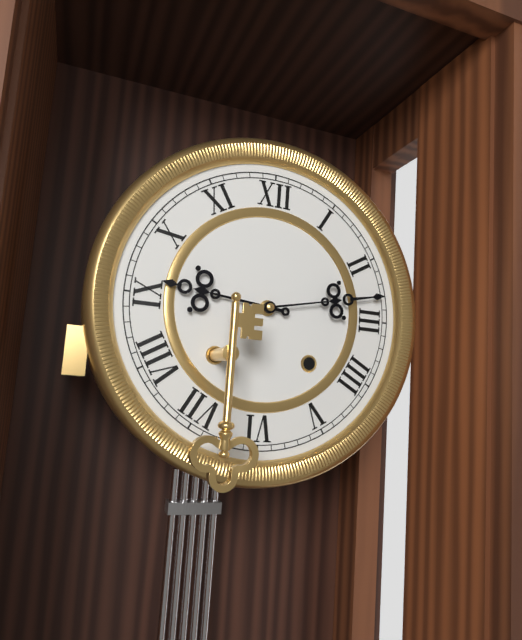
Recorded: h=9 m=13
